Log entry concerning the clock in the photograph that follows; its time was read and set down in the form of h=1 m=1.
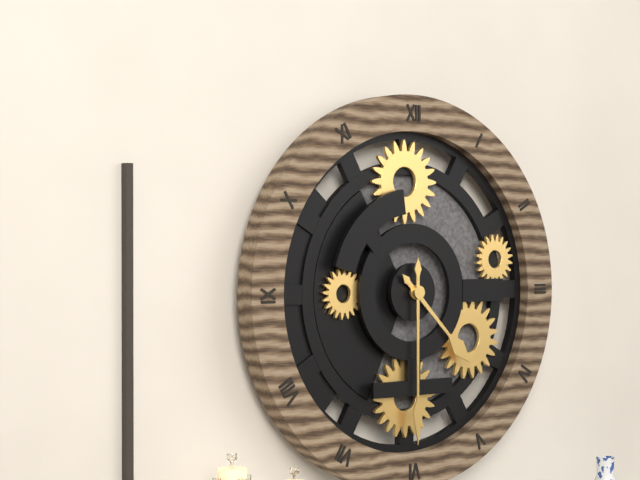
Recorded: h=4 m=30
